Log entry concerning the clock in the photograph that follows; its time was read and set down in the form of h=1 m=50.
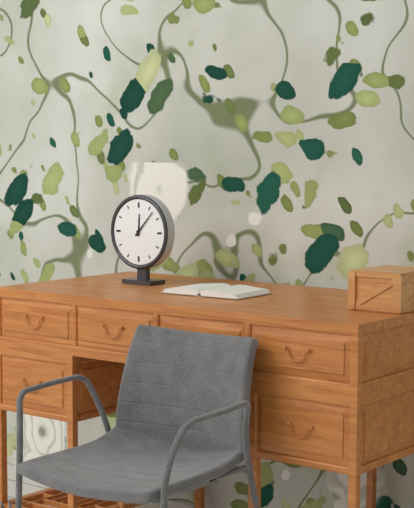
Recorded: h=12 m=7
